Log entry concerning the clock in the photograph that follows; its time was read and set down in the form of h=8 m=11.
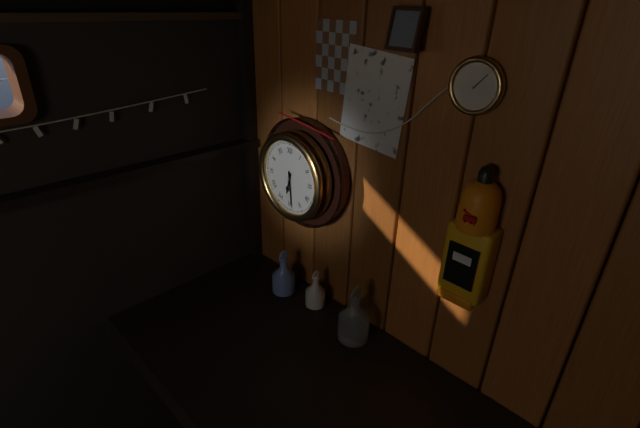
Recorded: h=6 m=29
